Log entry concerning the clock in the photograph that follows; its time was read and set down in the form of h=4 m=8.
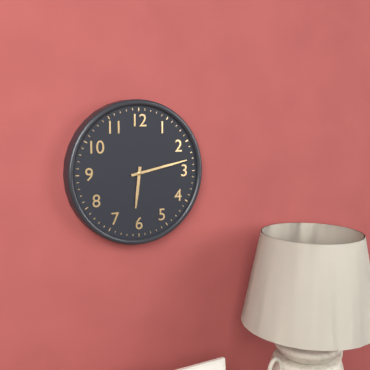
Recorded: h=6 m=13
